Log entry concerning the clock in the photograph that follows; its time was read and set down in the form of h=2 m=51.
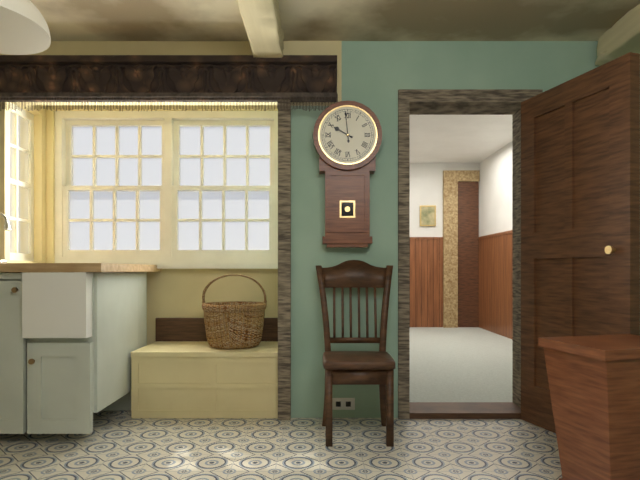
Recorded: h=9 m=59
